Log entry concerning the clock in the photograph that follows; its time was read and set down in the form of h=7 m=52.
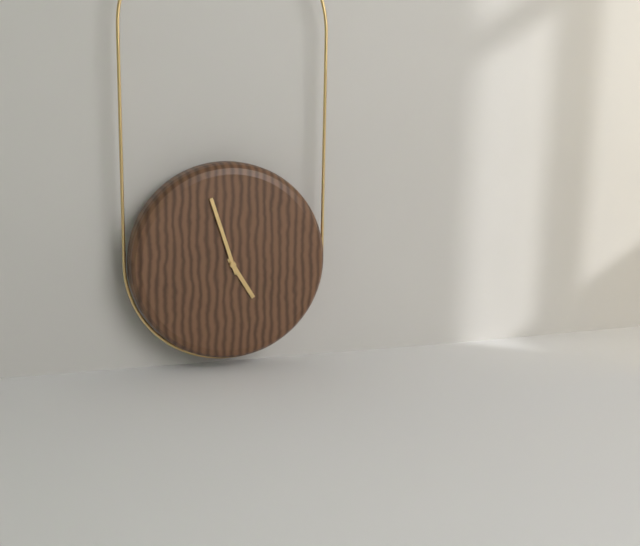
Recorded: h=4 m=57
